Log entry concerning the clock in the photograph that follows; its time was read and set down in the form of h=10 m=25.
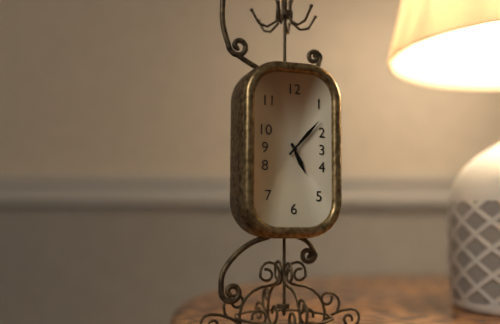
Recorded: h=5 m=7
